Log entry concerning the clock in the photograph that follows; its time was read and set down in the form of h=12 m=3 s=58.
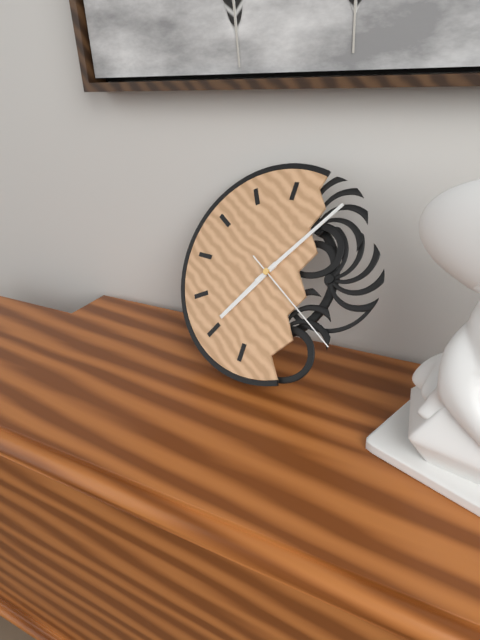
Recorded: h=7 m=6 s=20
